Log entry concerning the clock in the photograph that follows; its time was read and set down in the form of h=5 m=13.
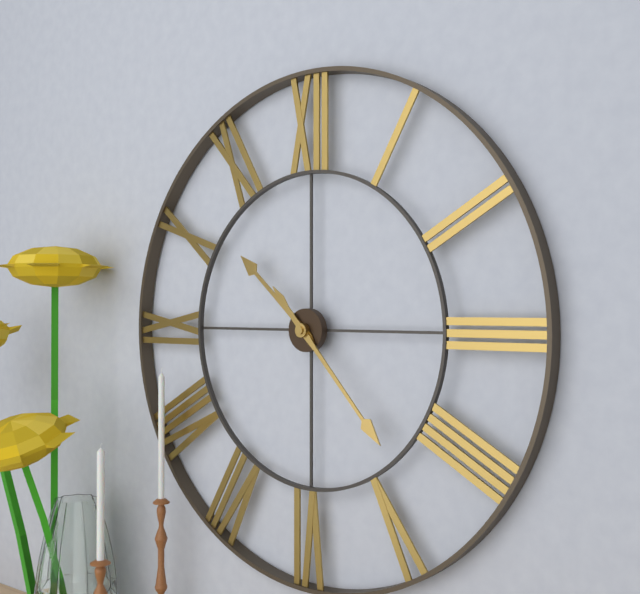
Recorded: h=10 m=23
